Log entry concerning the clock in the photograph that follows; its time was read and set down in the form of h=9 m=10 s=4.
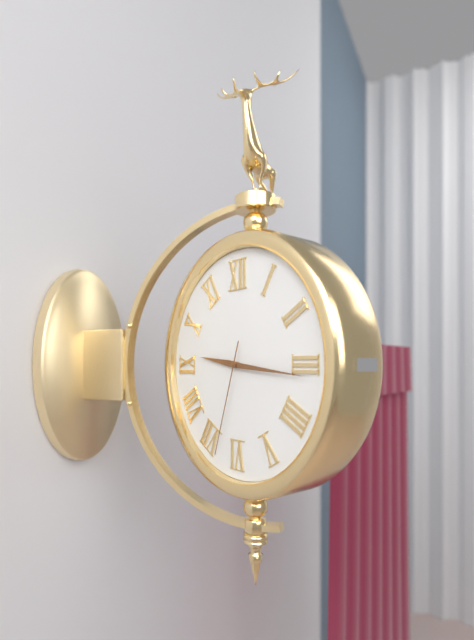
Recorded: h=9 m=16 s=33
